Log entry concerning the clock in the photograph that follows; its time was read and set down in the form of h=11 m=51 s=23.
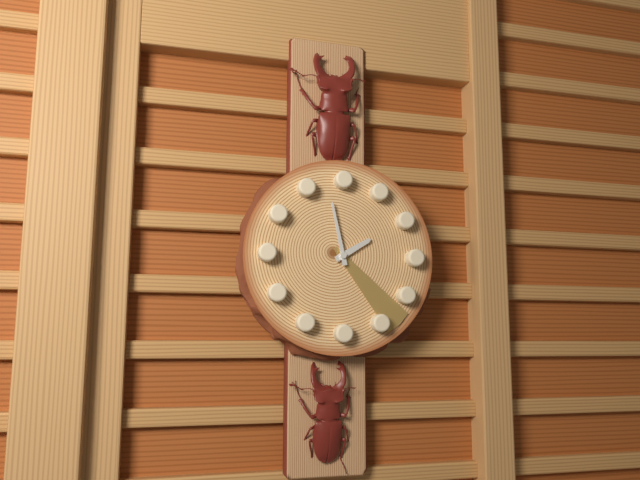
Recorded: h=1 m=58 s=23
